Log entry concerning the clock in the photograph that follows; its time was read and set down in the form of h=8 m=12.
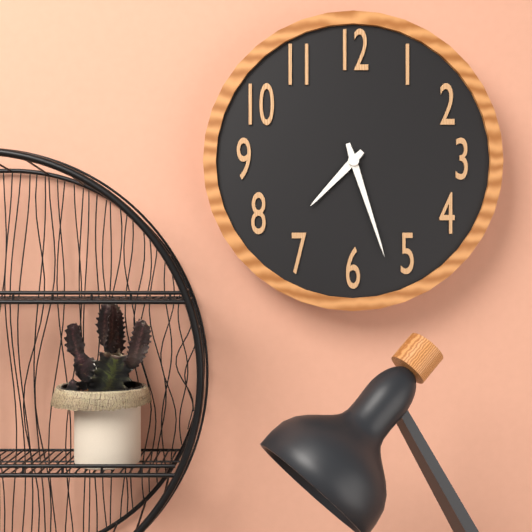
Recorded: h=7 m=27
